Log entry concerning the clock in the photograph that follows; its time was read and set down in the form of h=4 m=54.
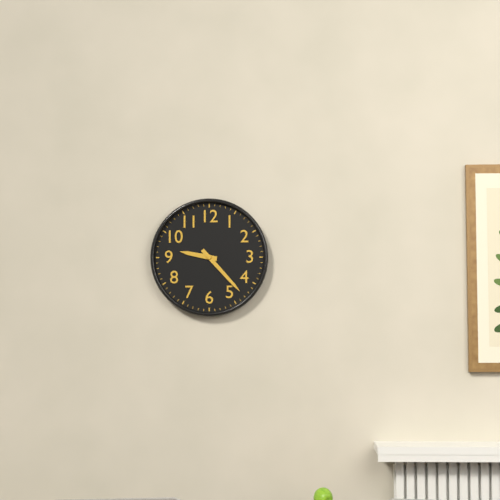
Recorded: h=9 m=23
